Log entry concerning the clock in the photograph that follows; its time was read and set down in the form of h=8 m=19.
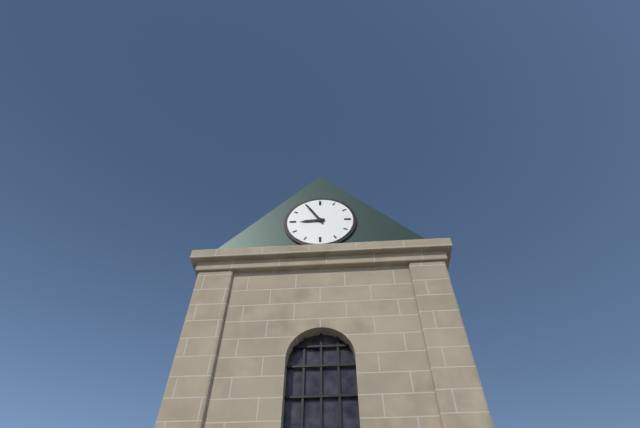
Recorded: h=8 m=55
